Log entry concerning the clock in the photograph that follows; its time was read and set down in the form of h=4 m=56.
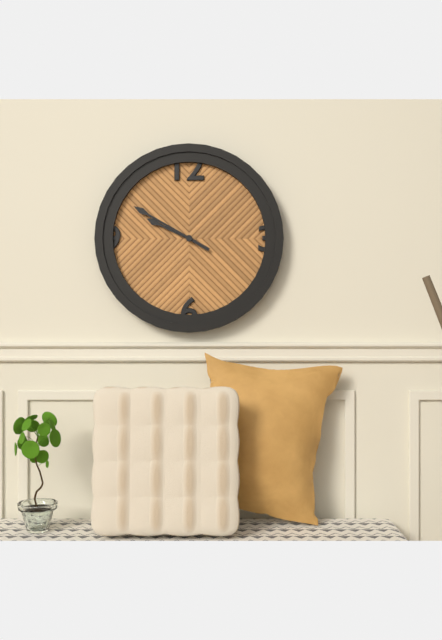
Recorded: h=9 m=50
